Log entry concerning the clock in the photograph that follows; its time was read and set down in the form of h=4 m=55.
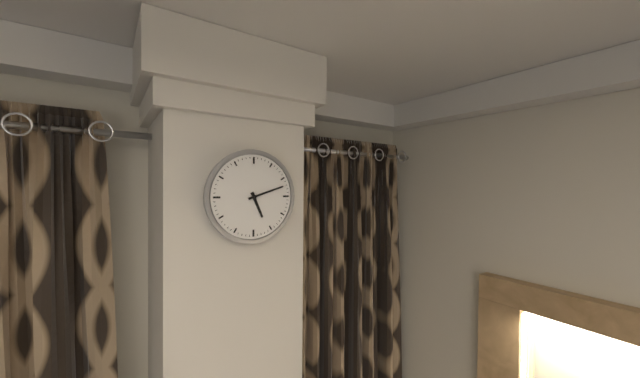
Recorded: h=5 m=12
